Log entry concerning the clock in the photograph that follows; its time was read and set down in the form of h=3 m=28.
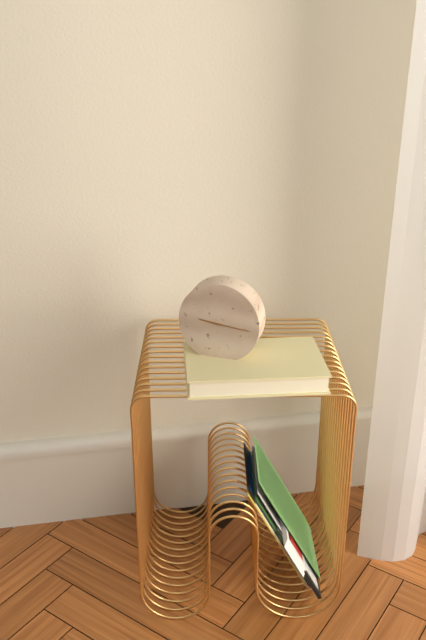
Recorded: h=9 m=16
